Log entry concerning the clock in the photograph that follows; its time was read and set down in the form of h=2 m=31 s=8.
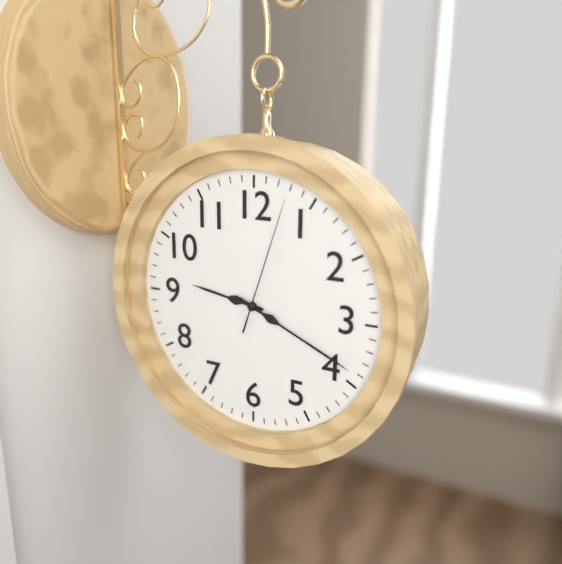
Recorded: h=9 m=19 s=3
